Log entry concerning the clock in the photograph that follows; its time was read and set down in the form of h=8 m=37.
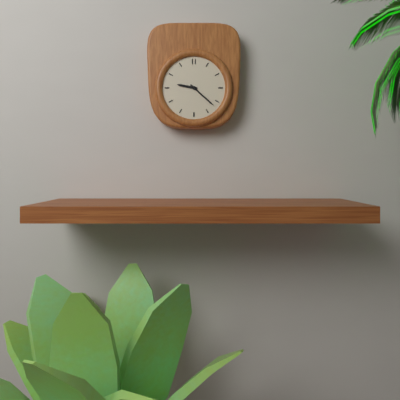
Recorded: h=9 m=22
